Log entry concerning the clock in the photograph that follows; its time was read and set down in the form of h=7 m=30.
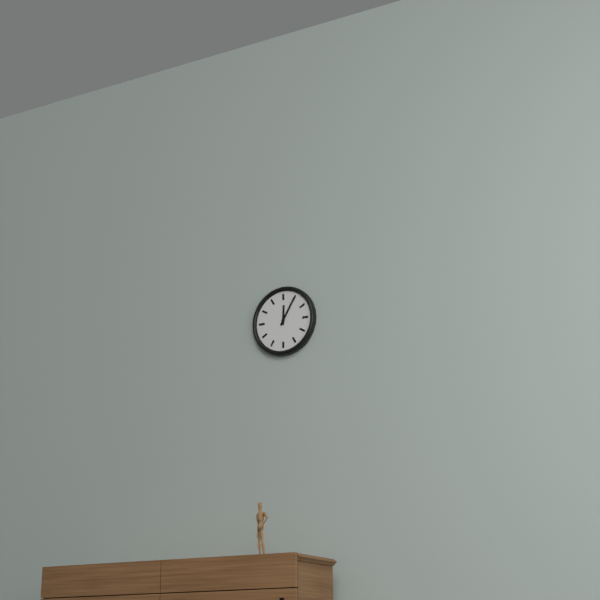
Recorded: h=12 m=5
